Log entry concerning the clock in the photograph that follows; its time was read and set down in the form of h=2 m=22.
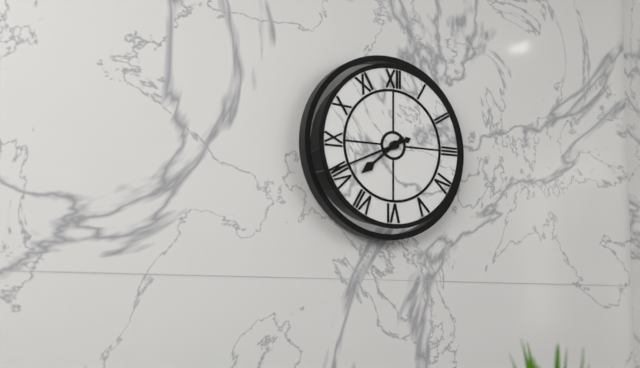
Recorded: h=7 m=41
